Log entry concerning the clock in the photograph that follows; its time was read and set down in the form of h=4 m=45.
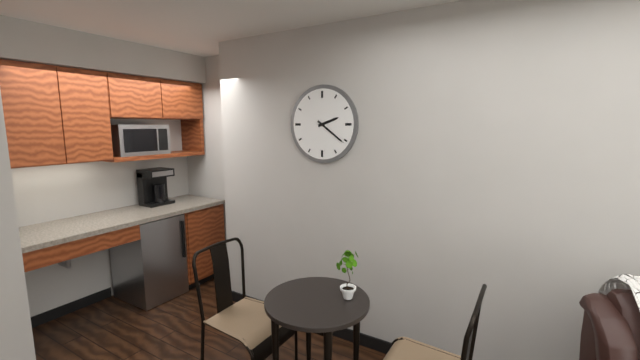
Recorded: h=2 m=21
